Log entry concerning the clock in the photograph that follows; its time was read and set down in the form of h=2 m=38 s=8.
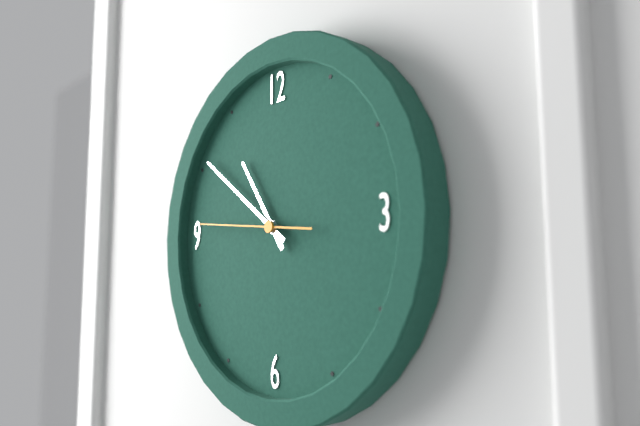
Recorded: h=10 m=51 s=46
